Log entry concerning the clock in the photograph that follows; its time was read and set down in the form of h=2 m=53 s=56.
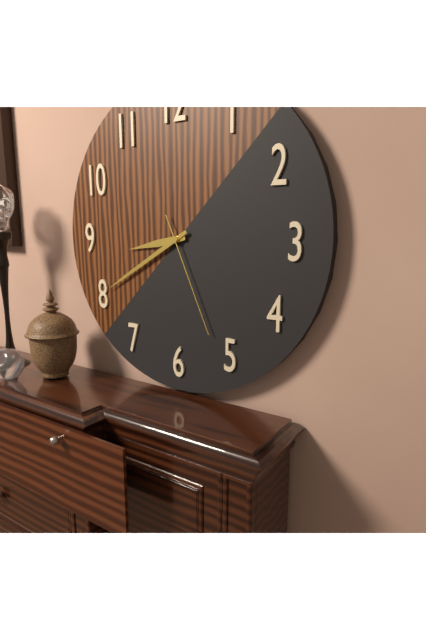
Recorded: h=8 m=40 s=26
